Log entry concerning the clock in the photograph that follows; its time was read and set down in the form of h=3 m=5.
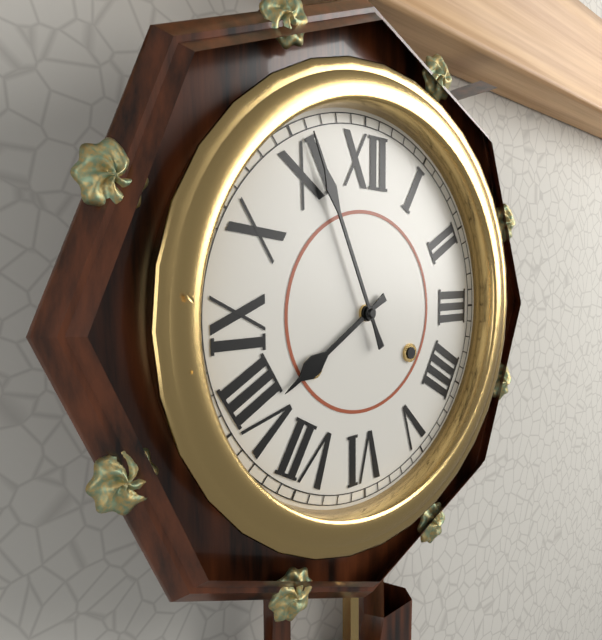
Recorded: h=7 m=56
